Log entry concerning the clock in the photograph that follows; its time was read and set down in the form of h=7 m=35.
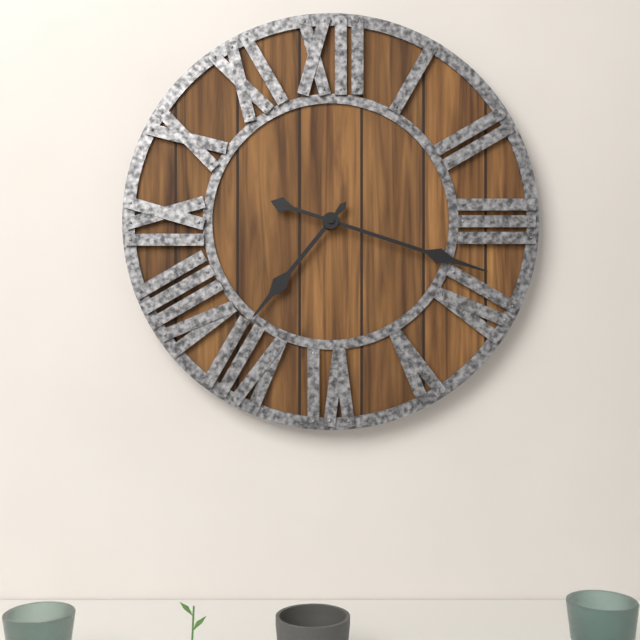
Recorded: h=7 m=18
